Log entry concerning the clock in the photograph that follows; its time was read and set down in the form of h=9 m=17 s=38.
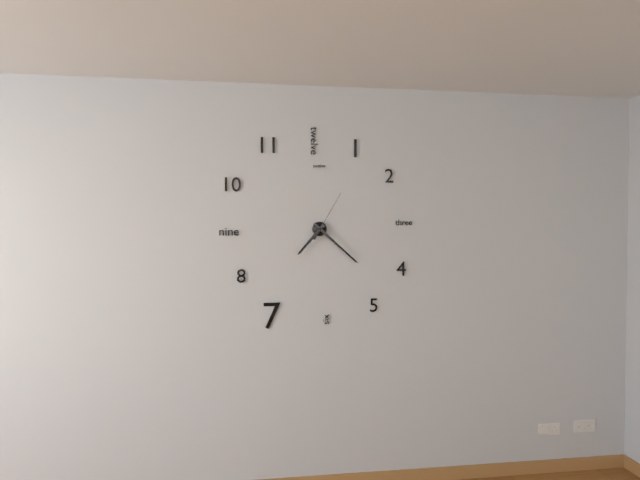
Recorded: h=7 m=22 s=5
